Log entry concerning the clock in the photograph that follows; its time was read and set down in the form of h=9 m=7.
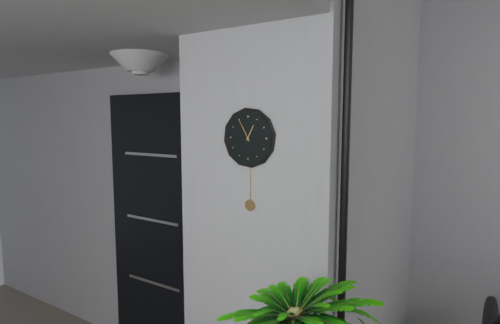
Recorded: h=12 m=55
